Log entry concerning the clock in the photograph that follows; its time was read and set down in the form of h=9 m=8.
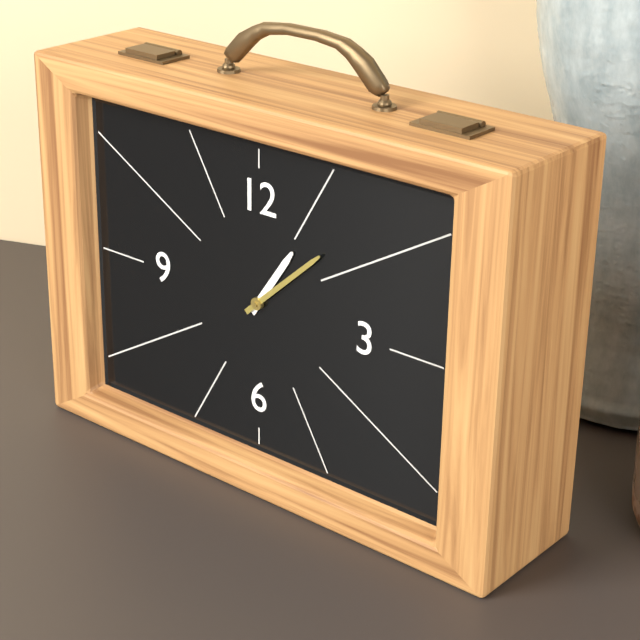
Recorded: h=1 m=8
